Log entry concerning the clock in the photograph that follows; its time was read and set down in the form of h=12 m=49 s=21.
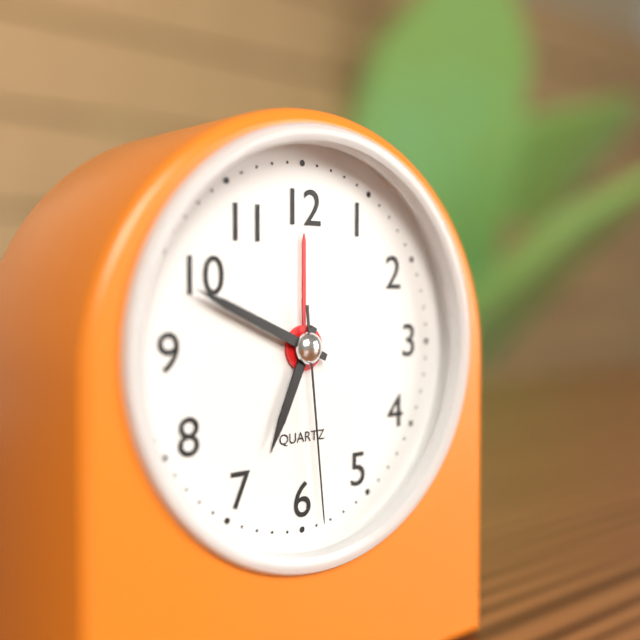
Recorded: h=6 m=49 s=29
